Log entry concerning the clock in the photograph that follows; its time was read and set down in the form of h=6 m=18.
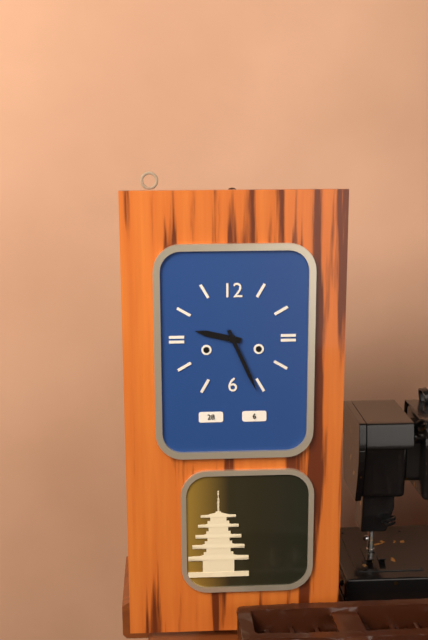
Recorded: h=9 m=26
